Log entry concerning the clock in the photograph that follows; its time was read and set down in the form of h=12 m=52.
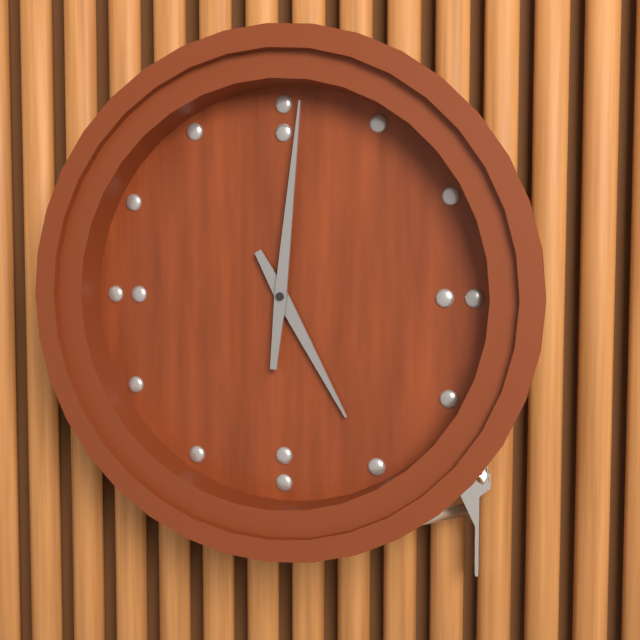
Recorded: h=5 m=1
